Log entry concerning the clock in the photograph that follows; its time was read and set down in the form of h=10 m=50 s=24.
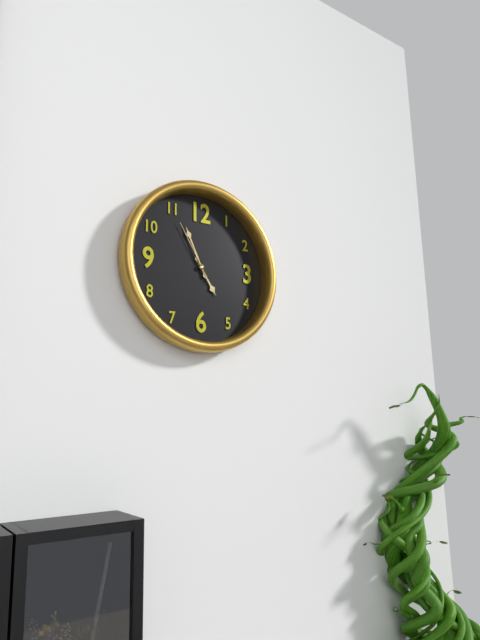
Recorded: h=4 m=56 s=55
